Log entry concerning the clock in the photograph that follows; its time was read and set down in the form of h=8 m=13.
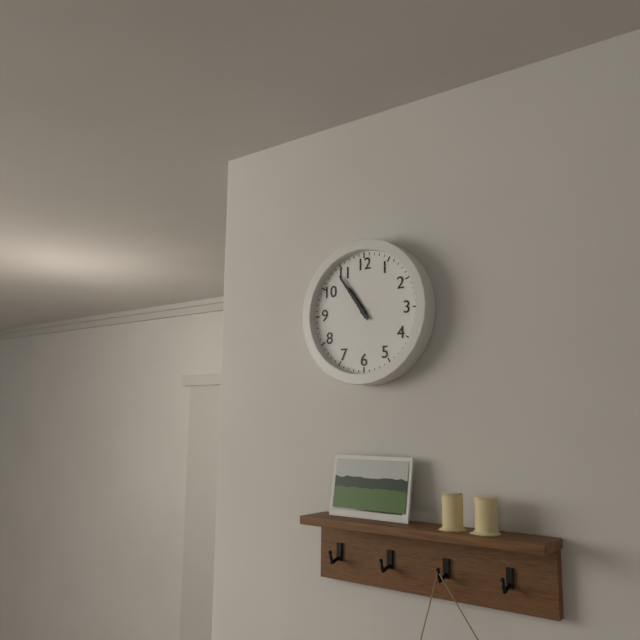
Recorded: h=10 m=54
